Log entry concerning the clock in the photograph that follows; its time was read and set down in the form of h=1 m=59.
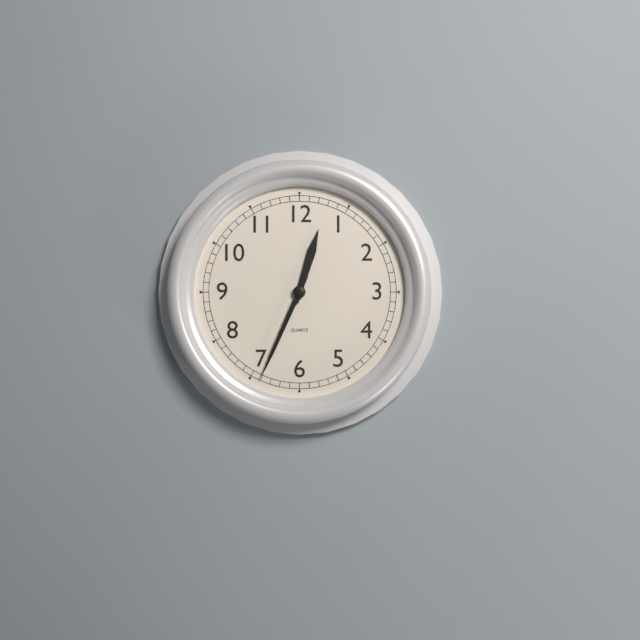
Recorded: h=12 m=34
